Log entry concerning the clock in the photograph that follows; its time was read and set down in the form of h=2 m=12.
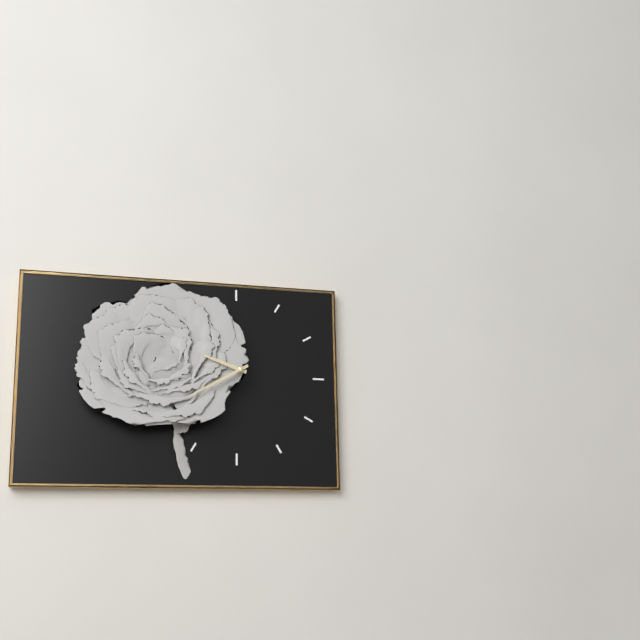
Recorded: h=9 m=40
